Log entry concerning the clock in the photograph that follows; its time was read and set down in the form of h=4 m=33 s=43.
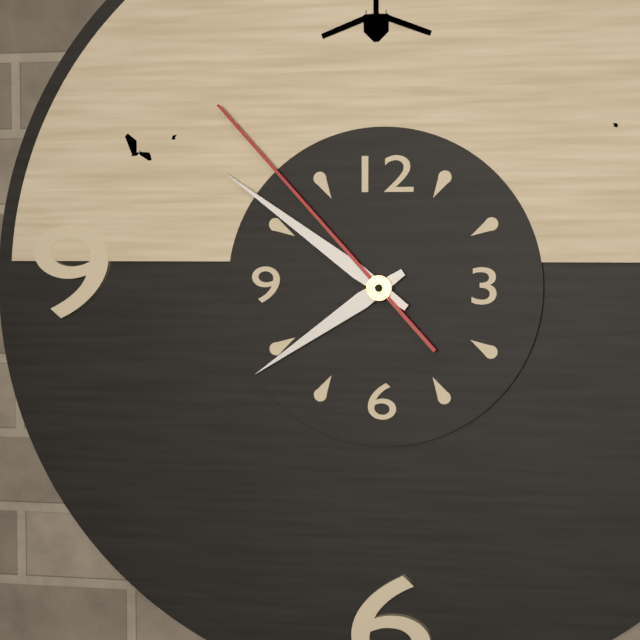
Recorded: h=7 m=51 s=53
